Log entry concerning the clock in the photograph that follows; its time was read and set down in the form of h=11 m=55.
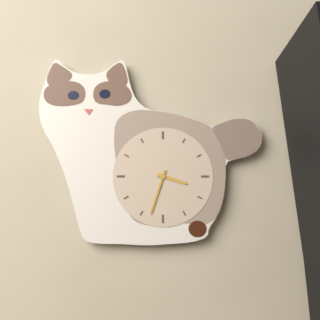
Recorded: h=3 m=33
